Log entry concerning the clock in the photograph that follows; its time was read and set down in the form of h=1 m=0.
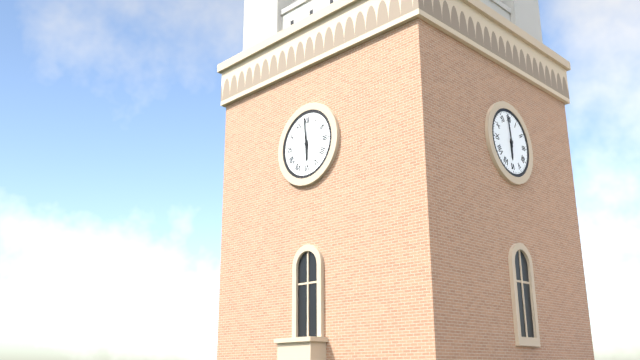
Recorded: h=5 m=59
